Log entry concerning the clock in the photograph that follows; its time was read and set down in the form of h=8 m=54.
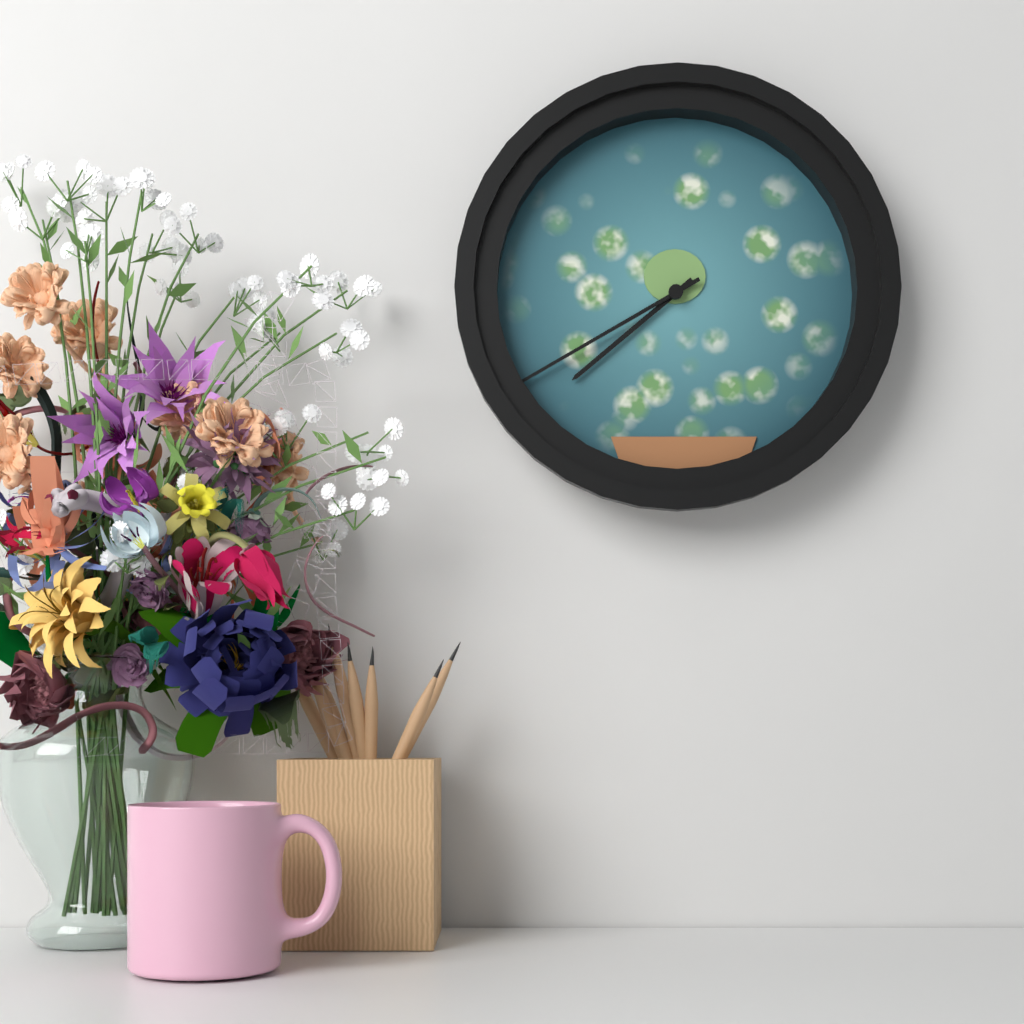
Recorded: h=7 m=40
